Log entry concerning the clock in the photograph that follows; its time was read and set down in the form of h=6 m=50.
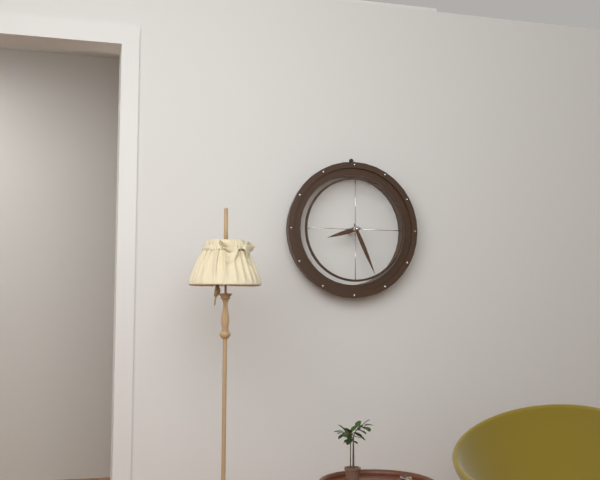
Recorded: h=8 m=26
